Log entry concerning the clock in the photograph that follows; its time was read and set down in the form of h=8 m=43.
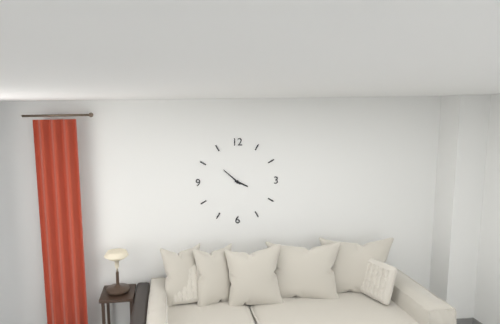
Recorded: h=3 m=52
